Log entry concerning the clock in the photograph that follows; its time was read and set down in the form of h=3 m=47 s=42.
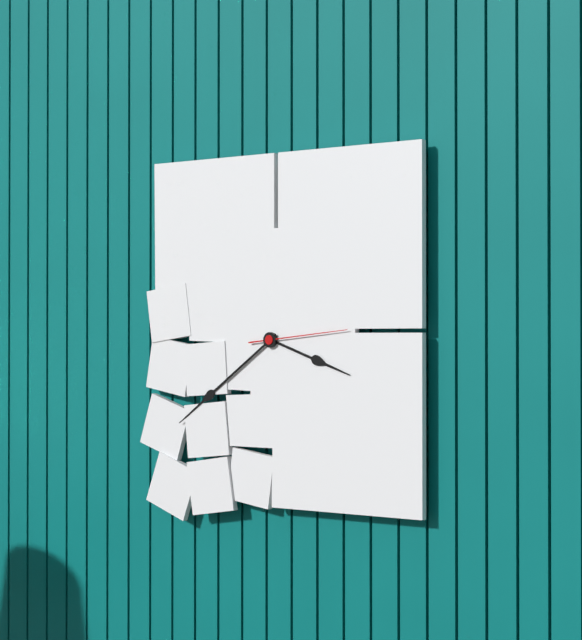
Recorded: h=3 m=39 s=14
